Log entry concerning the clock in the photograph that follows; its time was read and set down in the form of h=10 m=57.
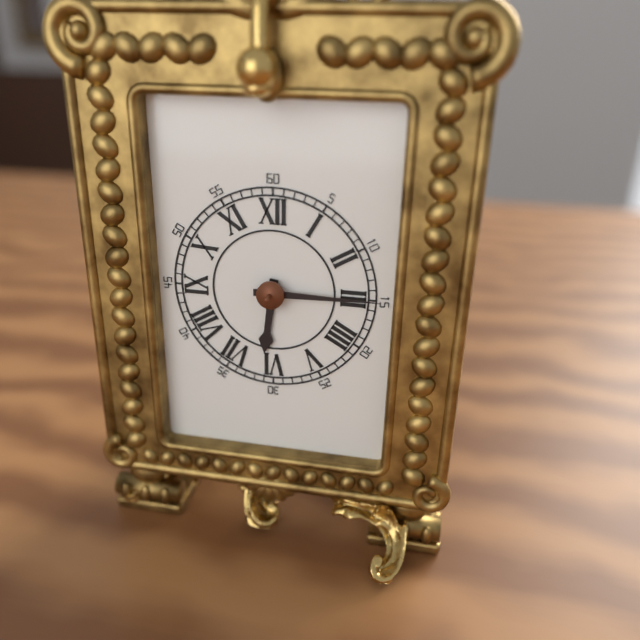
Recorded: h=6 m=15
